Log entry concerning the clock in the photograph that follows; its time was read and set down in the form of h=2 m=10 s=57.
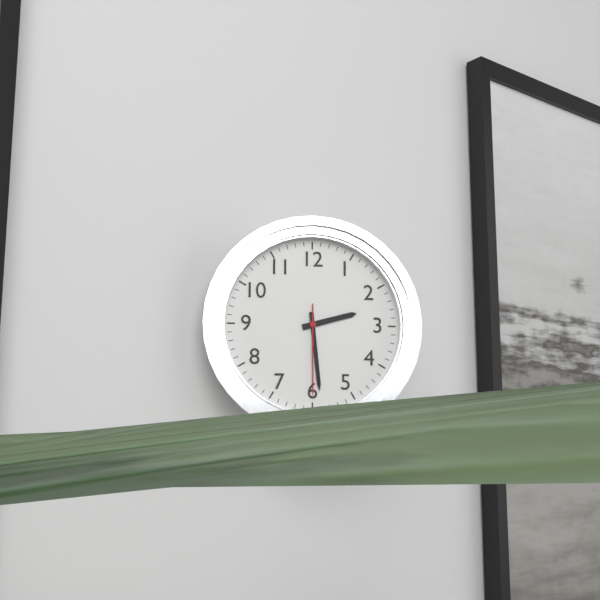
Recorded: h=2 m=29 s=30
